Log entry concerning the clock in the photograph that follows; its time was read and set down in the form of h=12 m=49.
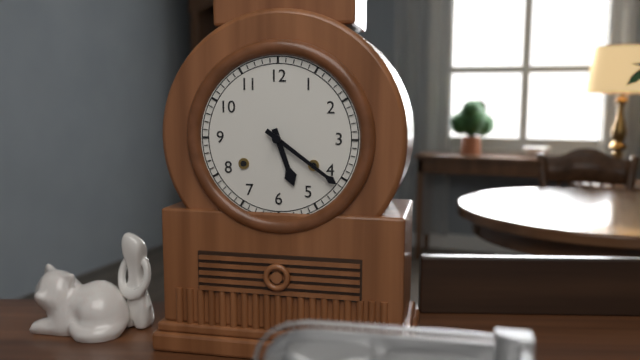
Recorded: h=5 m=21
